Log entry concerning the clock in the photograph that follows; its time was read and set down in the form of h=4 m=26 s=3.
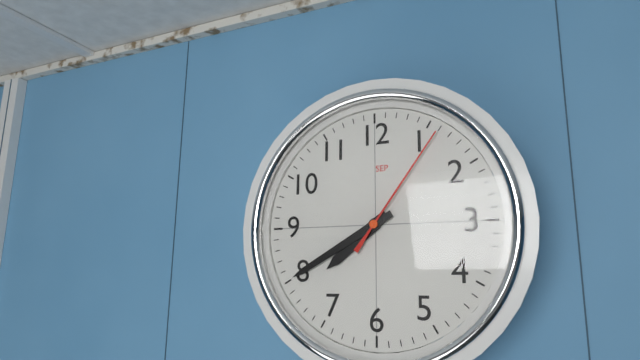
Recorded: h=7 m=40 s=6
